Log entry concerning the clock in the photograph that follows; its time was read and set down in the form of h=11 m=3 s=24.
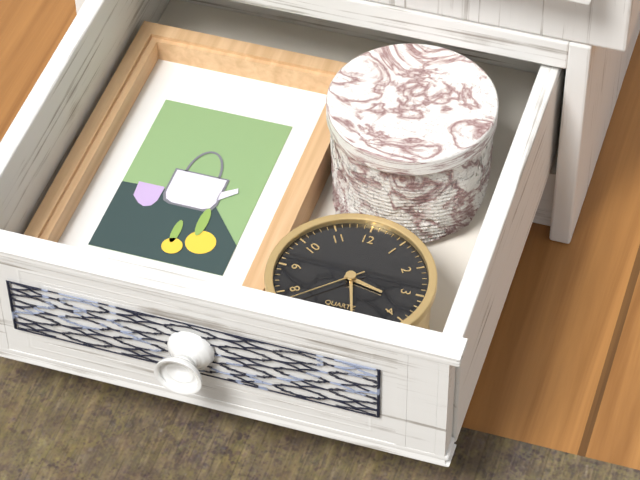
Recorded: h=3 m=27 s=38
